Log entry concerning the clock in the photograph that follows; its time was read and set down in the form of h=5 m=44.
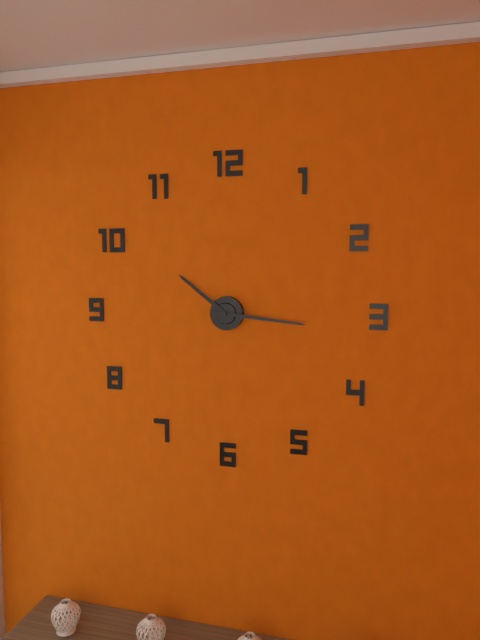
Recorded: h=10 m=16
